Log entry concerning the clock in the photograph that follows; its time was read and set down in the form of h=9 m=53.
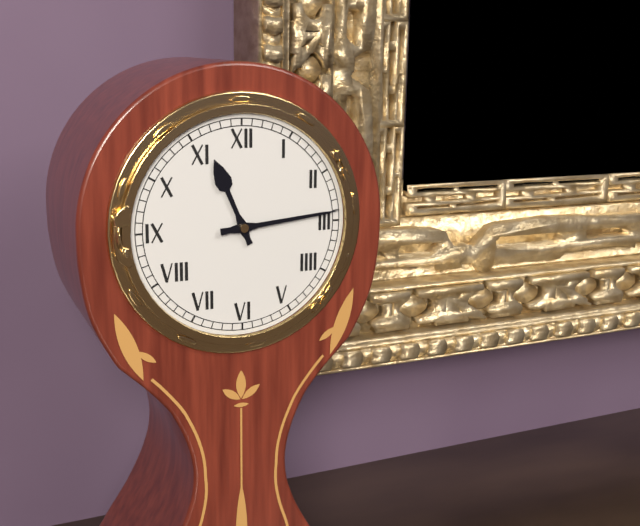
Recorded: h=11 m=14
